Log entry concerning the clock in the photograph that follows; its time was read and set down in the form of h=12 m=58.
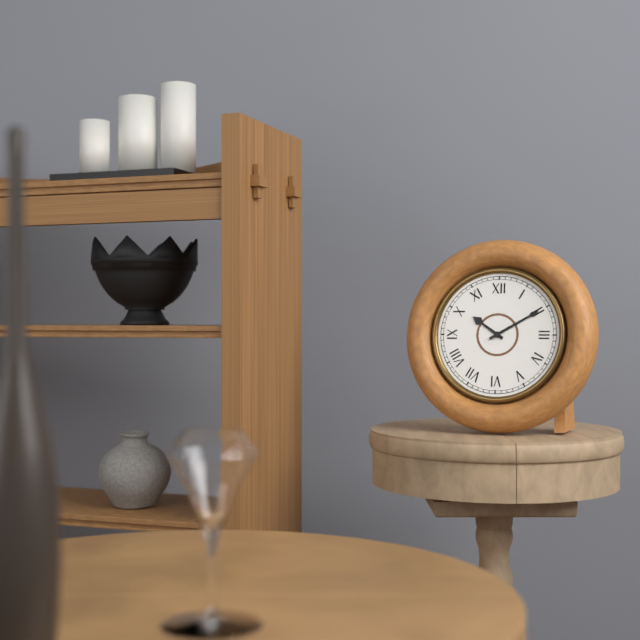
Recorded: h=10 m=10
